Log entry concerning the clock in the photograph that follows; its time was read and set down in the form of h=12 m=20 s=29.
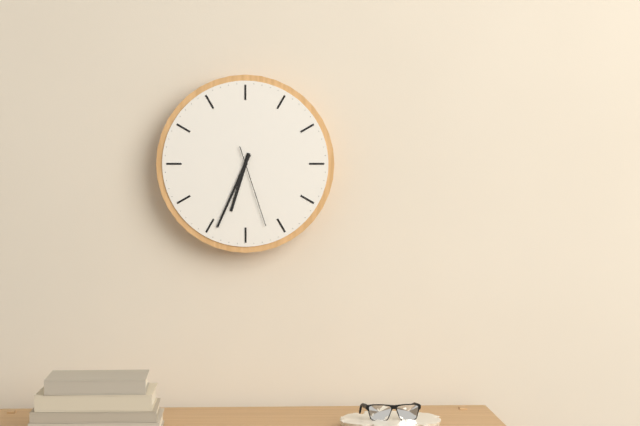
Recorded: h=6 m=34 s=27
